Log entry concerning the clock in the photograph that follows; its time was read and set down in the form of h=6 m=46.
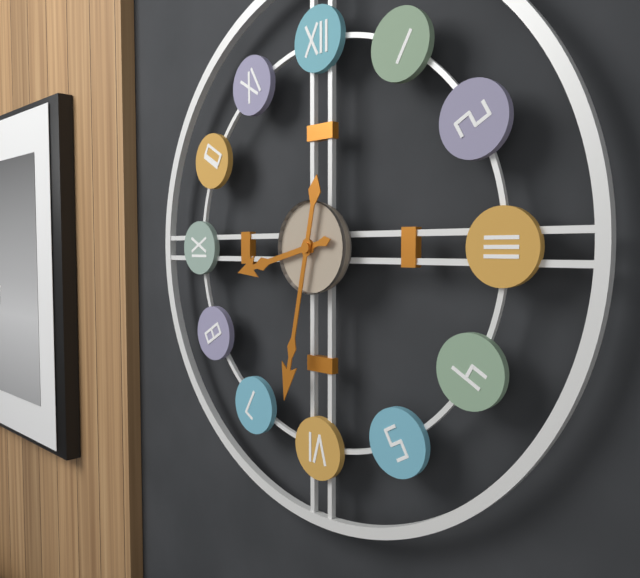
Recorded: h=8 m=32
